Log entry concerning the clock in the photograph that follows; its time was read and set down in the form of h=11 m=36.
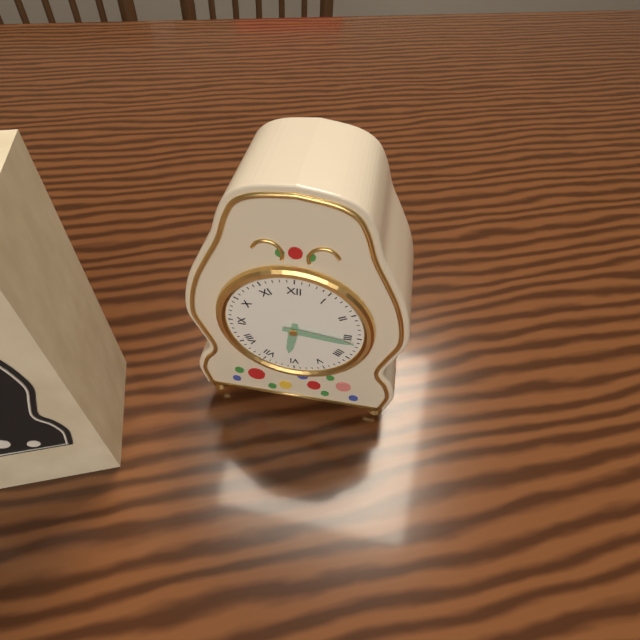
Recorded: h=6 m=16
